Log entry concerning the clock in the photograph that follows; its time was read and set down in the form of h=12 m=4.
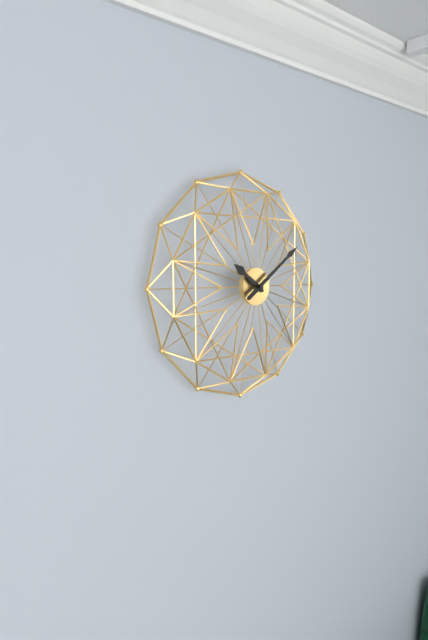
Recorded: h=10 m=9
